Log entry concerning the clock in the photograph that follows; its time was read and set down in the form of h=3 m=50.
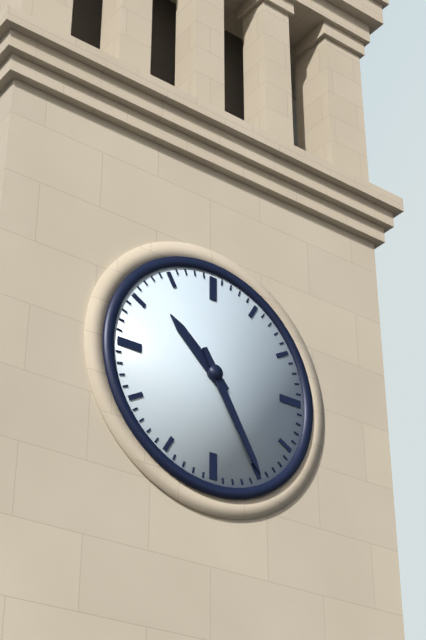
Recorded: h=10 m=25
